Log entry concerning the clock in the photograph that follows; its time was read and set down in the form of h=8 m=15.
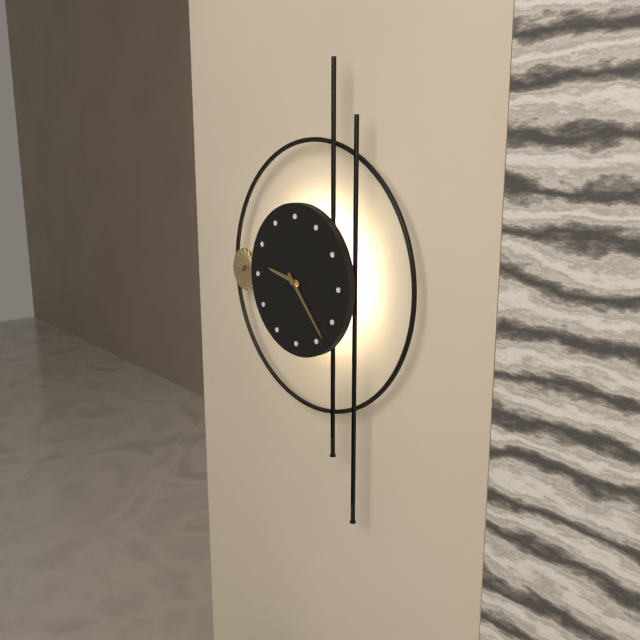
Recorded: h=9 m=23
